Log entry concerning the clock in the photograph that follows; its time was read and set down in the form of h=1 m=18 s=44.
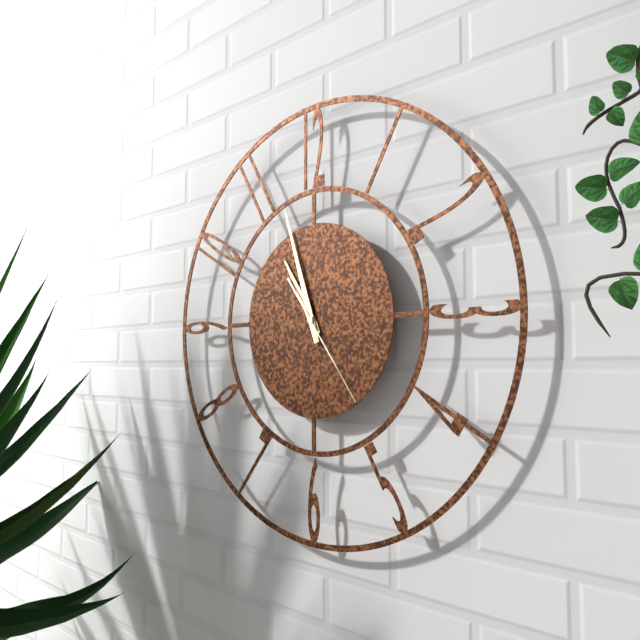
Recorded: h=10 m=57 s=24
